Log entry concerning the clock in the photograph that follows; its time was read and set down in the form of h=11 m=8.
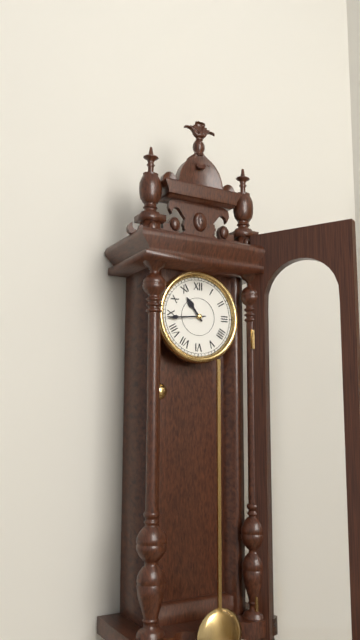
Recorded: h=10 m=44
